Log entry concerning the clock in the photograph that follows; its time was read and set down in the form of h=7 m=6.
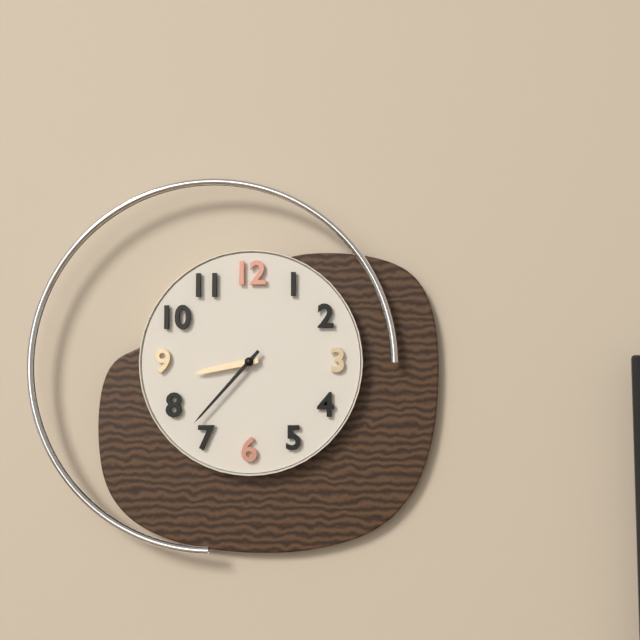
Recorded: h=8 m=37
